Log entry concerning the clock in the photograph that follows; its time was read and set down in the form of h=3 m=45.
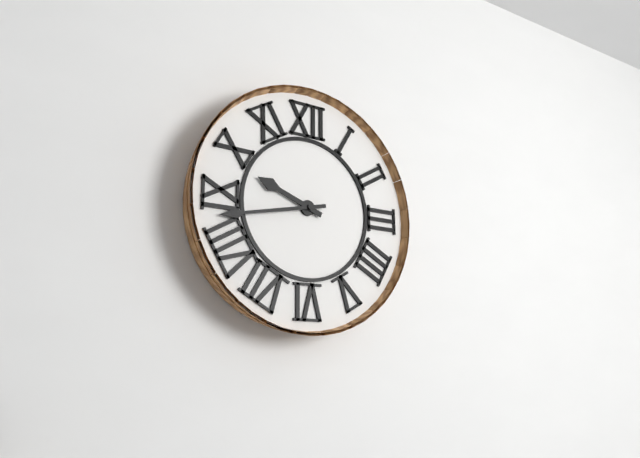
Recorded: h=9 m=43
